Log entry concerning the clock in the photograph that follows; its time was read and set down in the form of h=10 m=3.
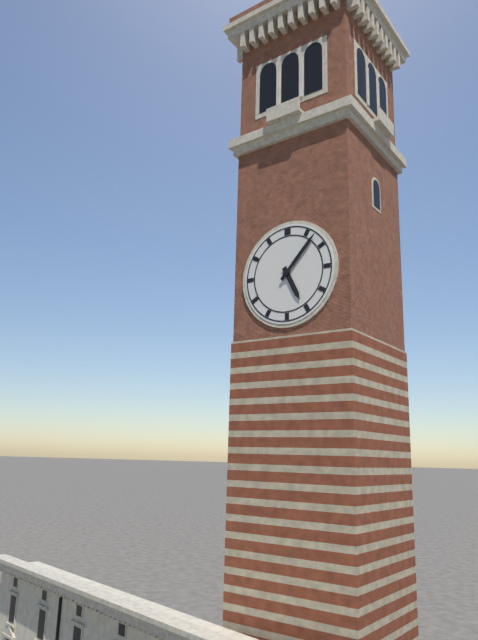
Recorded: h=5 m=7
